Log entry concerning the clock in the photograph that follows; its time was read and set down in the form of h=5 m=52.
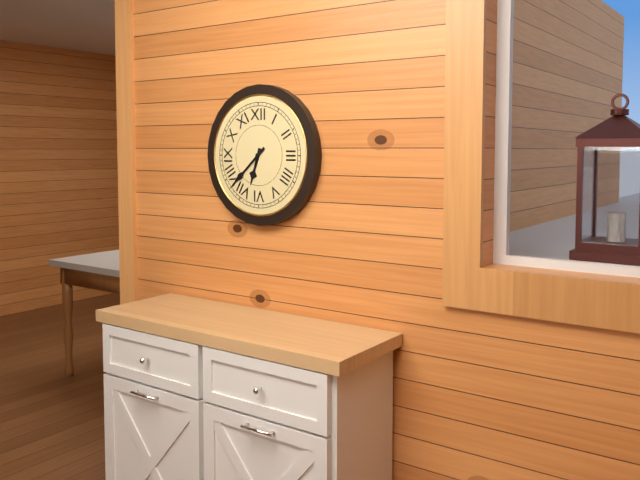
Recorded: h=6 m=38
